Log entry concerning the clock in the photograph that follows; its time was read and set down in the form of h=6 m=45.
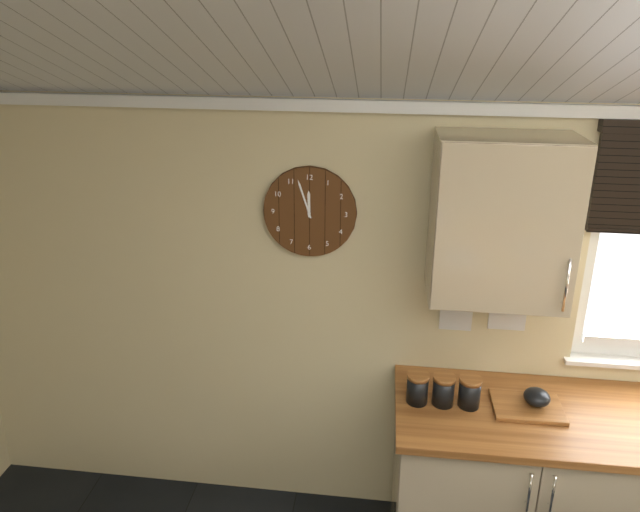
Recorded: h=11 m=57
